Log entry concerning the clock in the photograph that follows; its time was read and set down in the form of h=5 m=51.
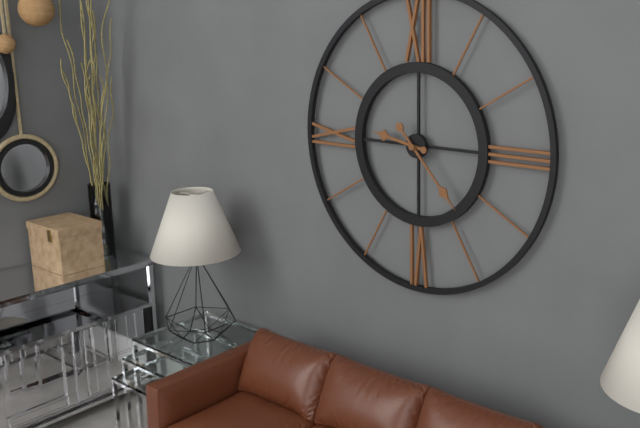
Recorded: h=9 m=23
